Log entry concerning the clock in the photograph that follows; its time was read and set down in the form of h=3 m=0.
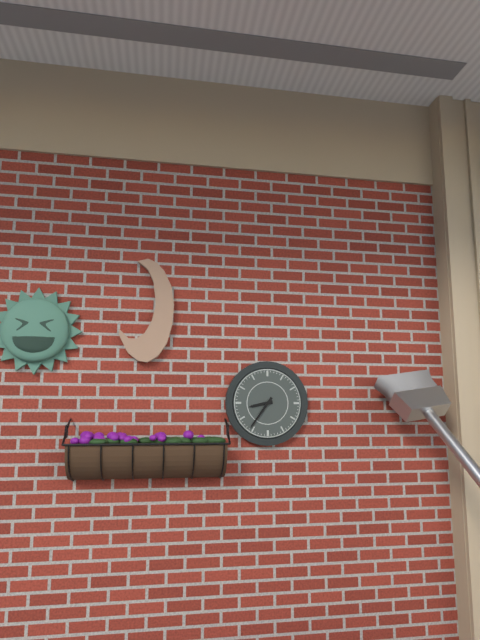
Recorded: h=8 m=36
